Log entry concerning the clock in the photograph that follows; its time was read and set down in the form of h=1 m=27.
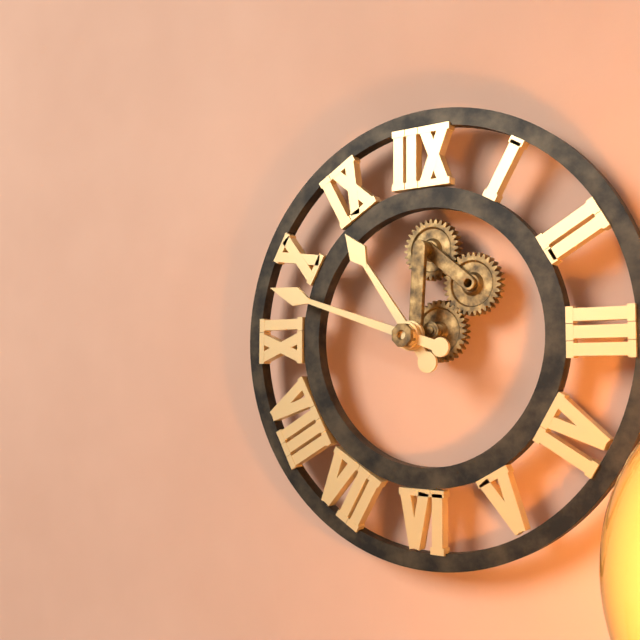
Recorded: h=10 m=48
